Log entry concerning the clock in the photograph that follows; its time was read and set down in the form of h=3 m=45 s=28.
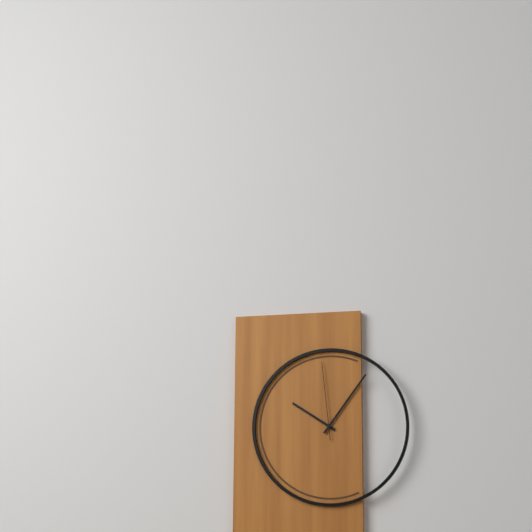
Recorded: h=10 m=6 s=59
